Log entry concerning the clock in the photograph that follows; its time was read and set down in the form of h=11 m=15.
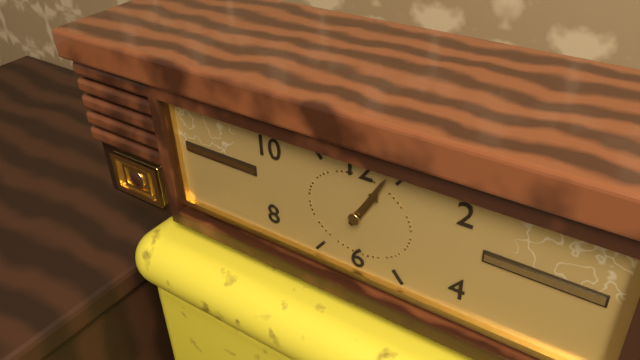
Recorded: h=1 m=5
